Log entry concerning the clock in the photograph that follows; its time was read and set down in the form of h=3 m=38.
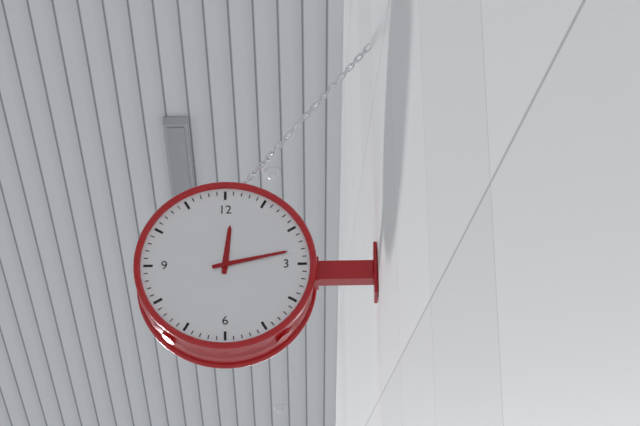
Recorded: h=12 m=13
